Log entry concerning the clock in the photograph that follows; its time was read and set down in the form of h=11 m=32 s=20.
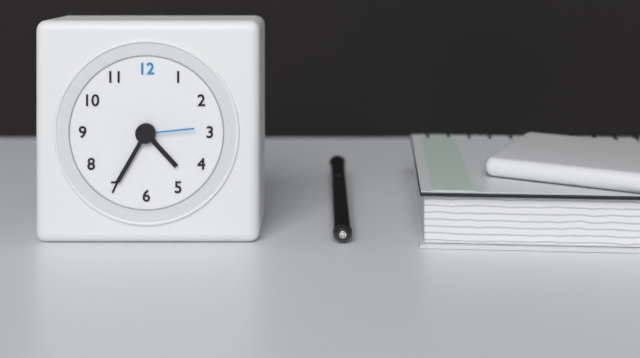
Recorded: h=4 m=35 s=14
